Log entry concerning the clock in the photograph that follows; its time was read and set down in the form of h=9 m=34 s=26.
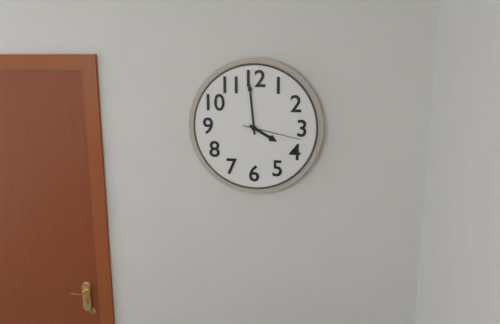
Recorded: h=3 m=59 s=17
